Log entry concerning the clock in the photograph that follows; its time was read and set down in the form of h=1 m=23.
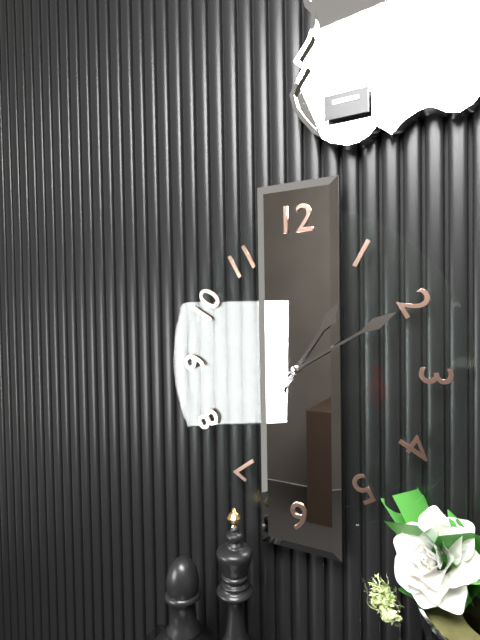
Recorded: h=1 m=10
